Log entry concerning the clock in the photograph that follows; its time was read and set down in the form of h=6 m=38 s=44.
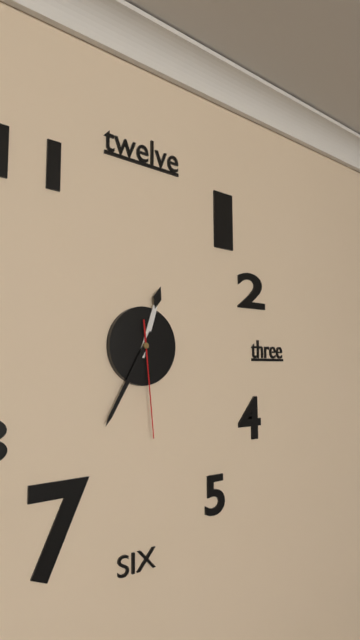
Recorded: h=12 m=35 s=29
